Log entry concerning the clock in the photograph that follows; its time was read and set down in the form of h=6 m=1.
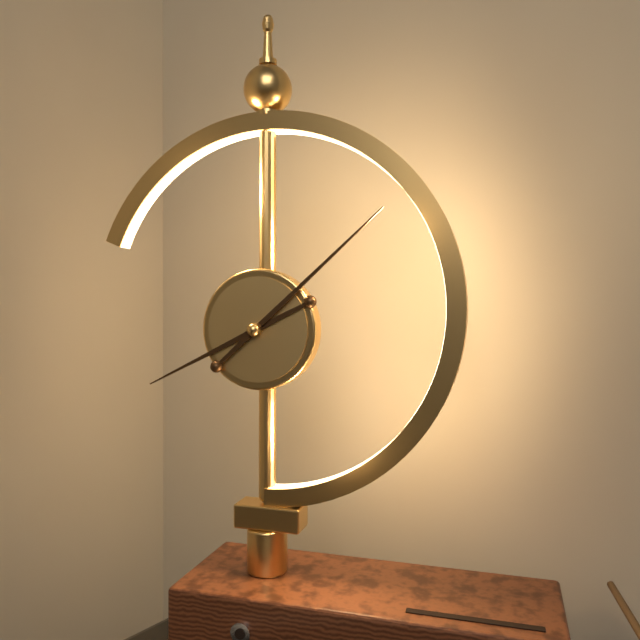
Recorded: h=8 m=8
